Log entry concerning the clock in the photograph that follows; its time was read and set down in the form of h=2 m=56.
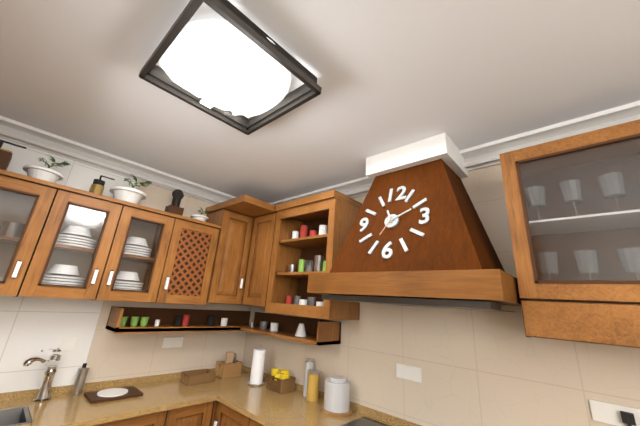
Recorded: h=11 m=11
